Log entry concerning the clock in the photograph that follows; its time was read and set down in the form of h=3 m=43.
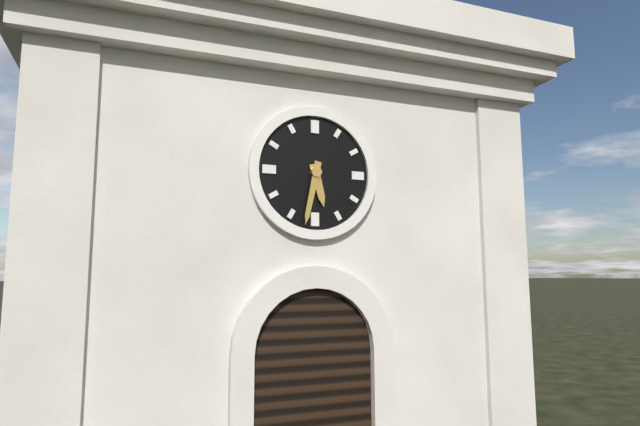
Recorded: h=5 m=32
